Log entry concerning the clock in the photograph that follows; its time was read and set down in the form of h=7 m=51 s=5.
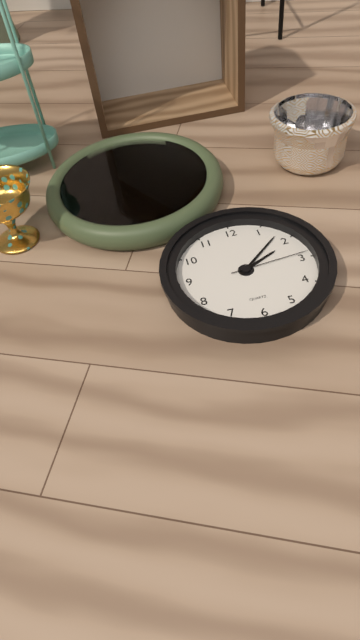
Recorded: h=2 m=8 s=14
